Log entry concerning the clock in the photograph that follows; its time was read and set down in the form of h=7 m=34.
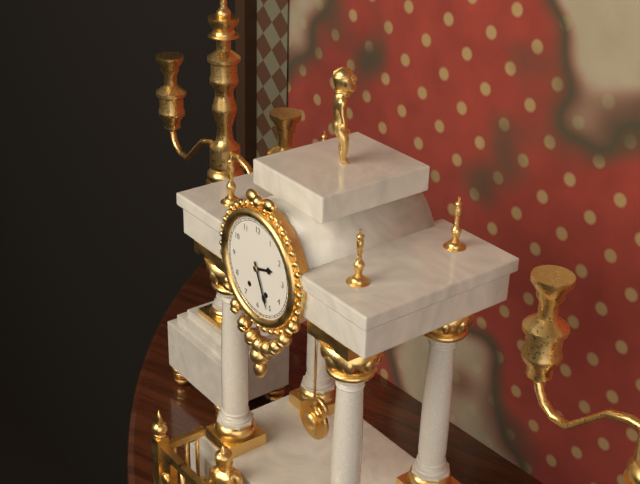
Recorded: h=2 m=26
